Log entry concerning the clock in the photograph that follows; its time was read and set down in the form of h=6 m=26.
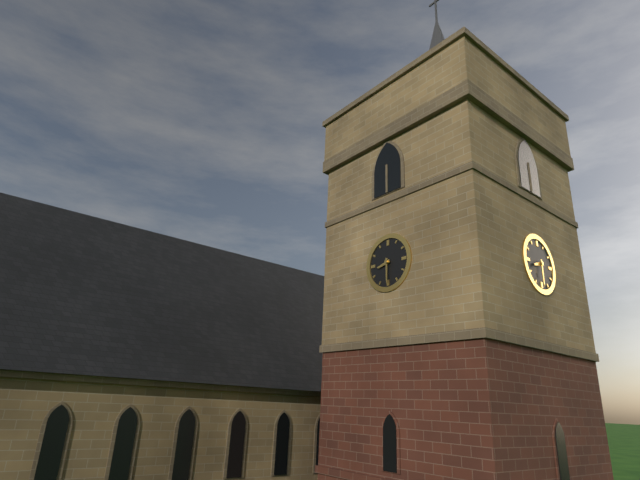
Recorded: h=8 m=30
